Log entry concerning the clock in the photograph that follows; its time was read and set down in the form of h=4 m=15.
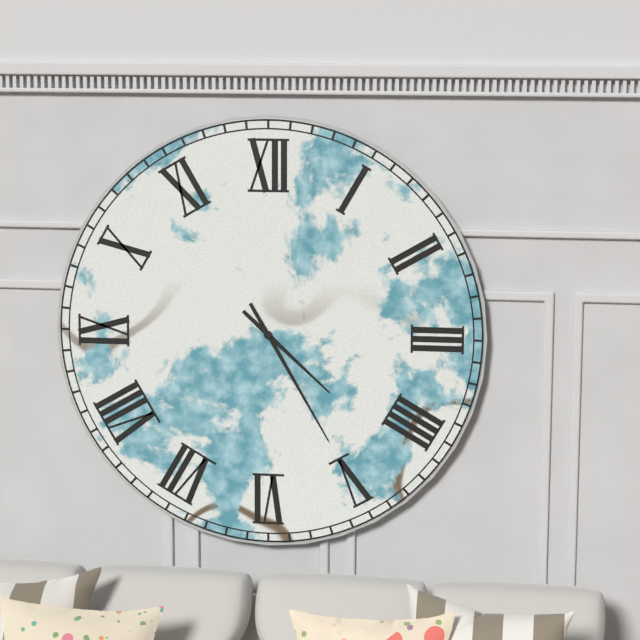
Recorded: h=4 m=25
